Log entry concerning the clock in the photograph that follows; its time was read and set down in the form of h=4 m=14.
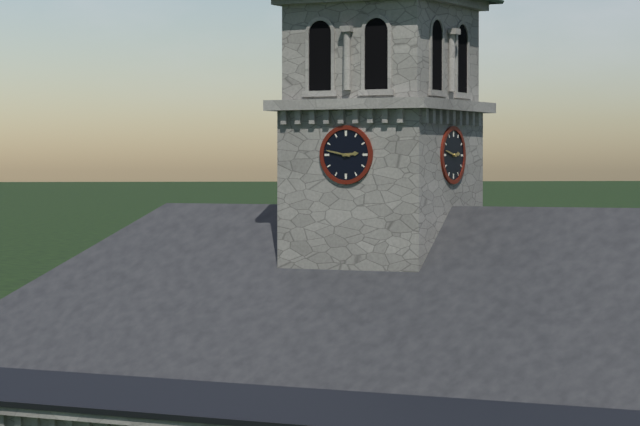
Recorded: h=2 m=47
